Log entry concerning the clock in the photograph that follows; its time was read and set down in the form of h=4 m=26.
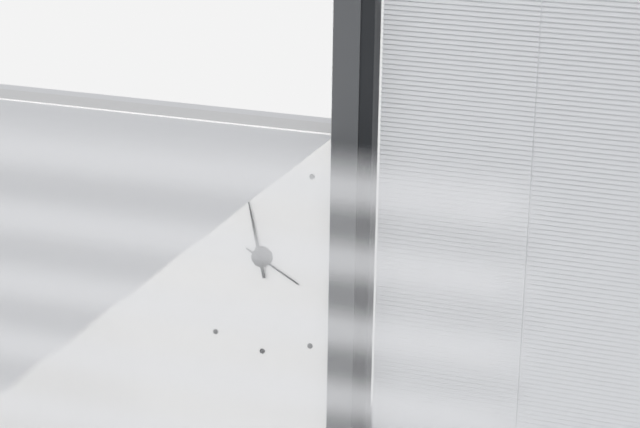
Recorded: h=3 m=58
